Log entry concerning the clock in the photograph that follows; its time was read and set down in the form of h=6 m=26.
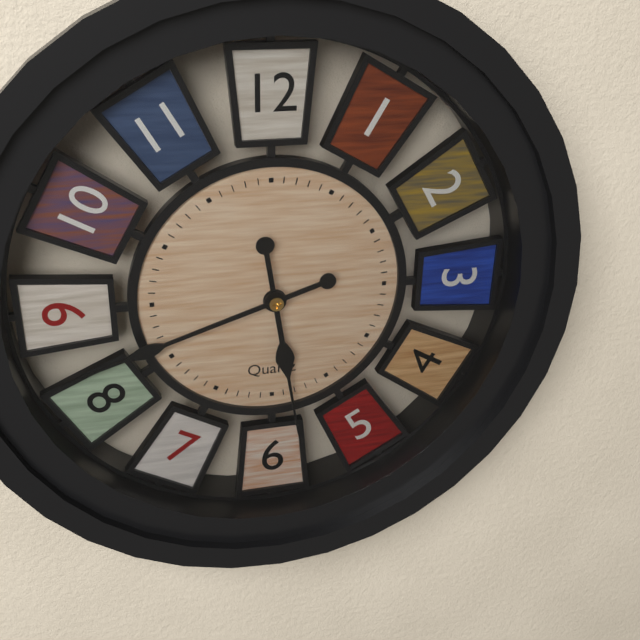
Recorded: h=5 m=42
